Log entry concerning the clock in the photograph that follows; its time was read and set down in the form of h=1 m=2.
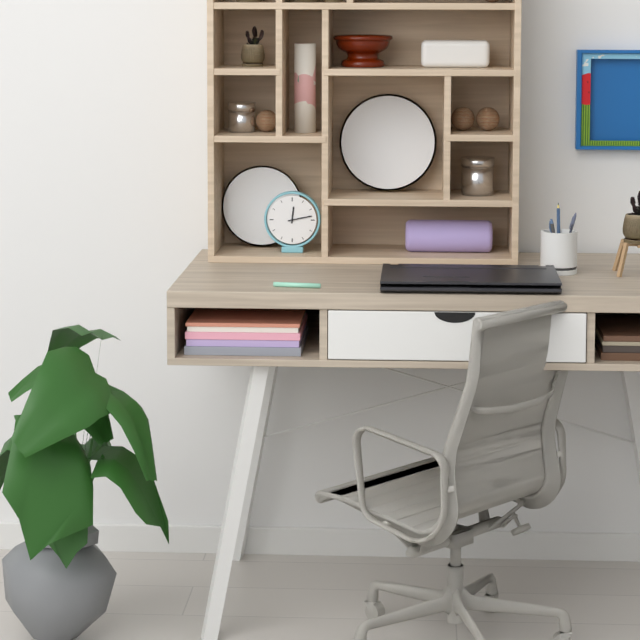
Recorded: h=12 m=13
